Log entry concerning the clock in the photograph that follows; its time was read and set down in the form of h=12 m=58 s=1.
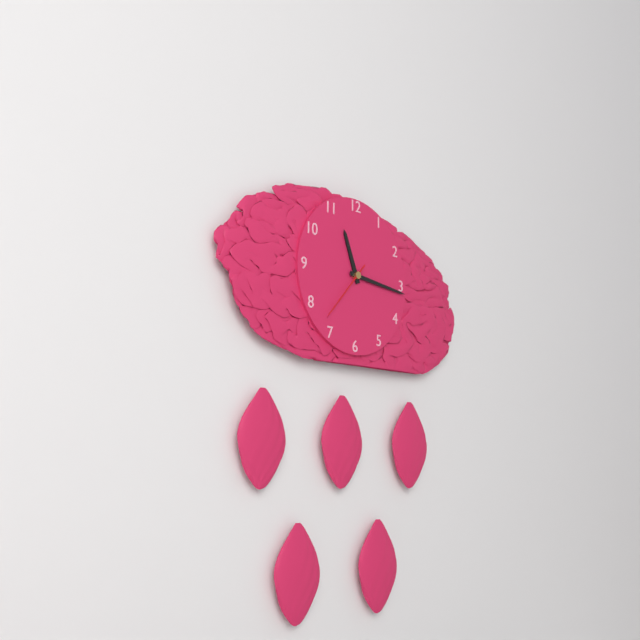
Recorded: h=11 m=16 s=37
